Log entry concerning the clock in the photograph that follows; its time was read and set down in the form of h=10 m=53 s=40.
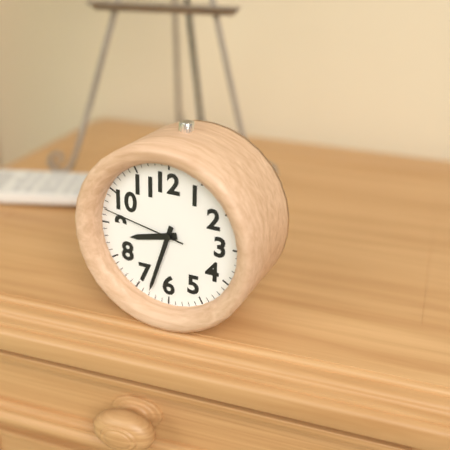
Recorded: h=8 m=33 s=47
